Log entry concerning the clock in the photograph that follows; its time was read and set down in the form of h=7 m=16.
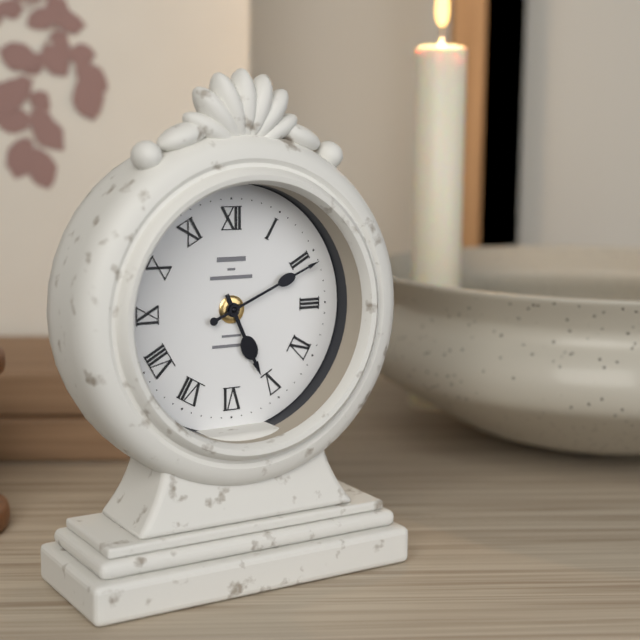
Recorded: h=5 m=11
